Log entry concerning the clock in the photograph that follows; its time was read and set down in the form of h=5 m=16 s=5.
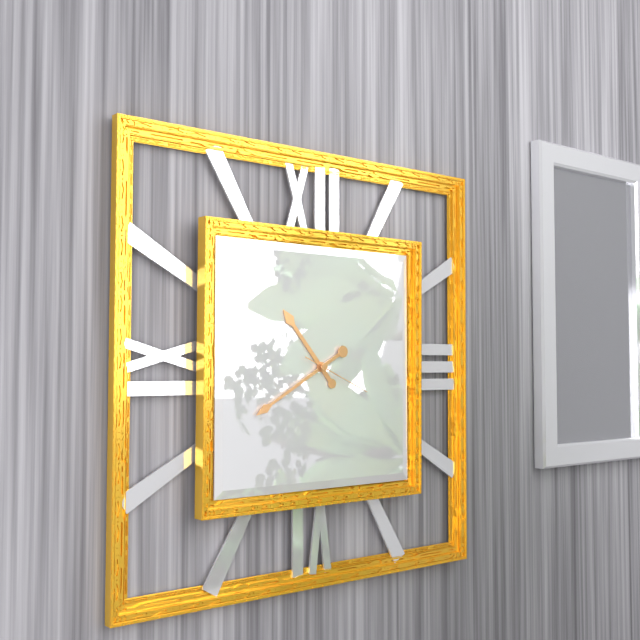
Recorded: h=10 m=40 s=19
